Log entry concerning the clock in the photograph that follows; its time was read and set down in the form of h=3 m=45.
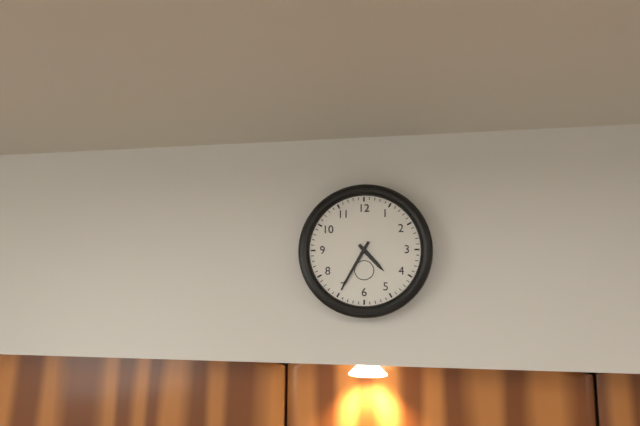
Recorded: h=4 m=35
